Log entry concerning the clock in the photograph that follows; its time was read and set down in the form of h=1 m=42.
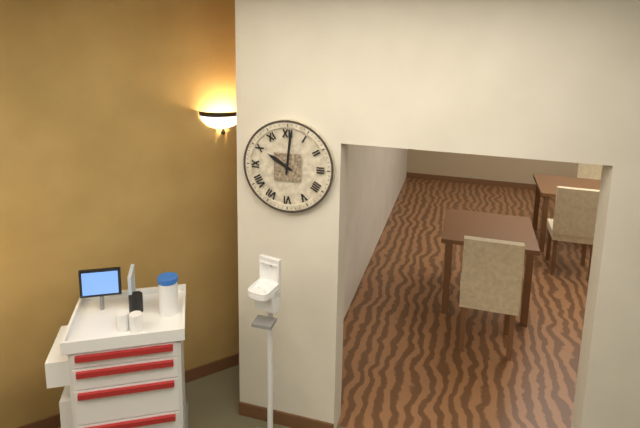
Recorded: h=10 m=1
